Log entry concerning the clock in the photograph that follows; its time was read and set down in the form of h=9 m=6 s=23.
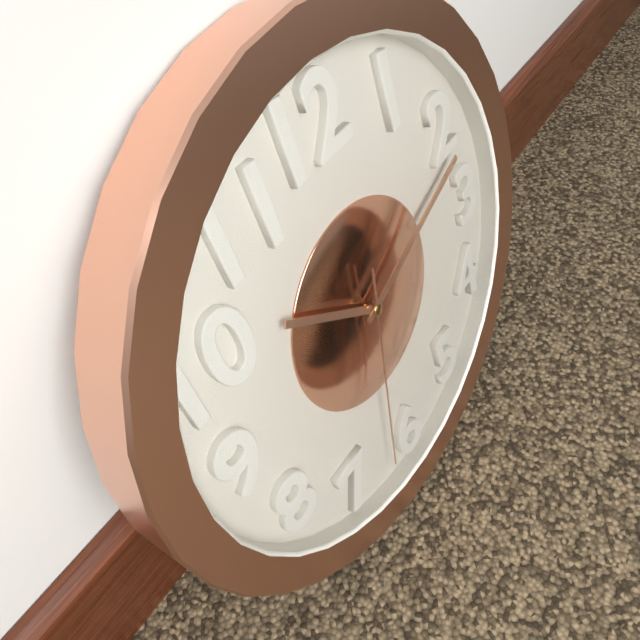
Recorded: h=10 m=12 s=32
